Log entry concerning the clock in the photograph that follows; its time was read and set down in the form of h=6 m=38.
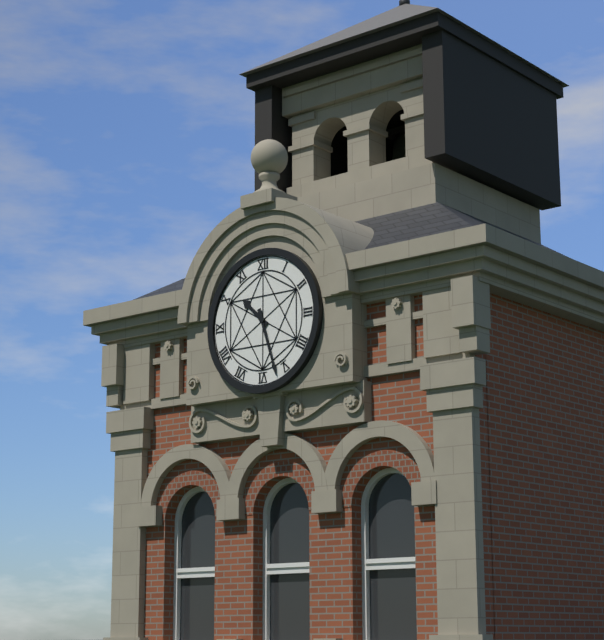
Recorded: h=10 m=27
